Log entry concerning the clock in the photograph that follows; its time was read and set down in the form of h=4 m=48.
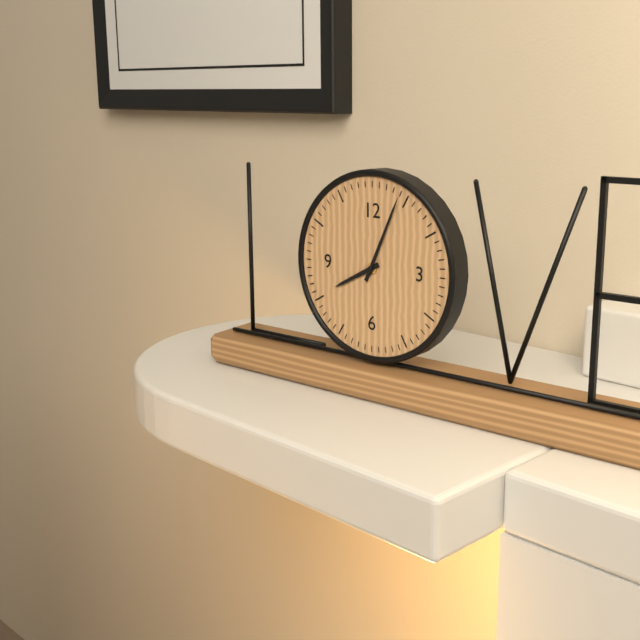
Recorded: h=8 m=4
